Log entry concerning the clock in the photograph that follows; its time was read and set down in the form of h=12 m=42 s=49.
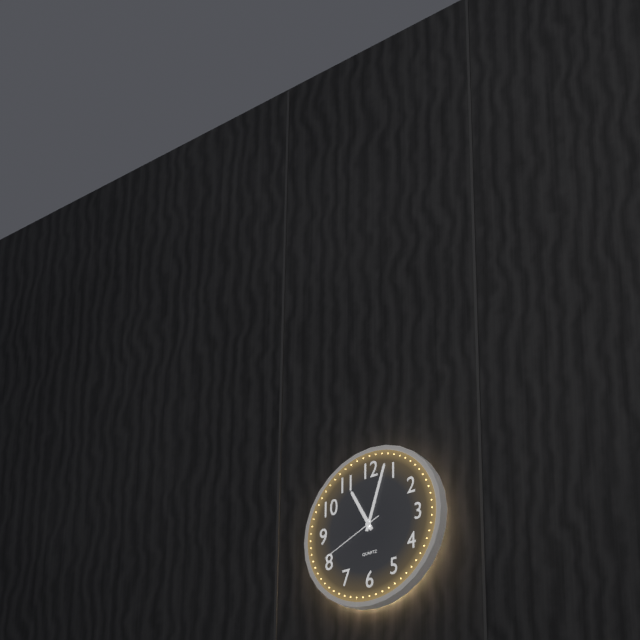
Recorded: h=11 m=3 s=41
